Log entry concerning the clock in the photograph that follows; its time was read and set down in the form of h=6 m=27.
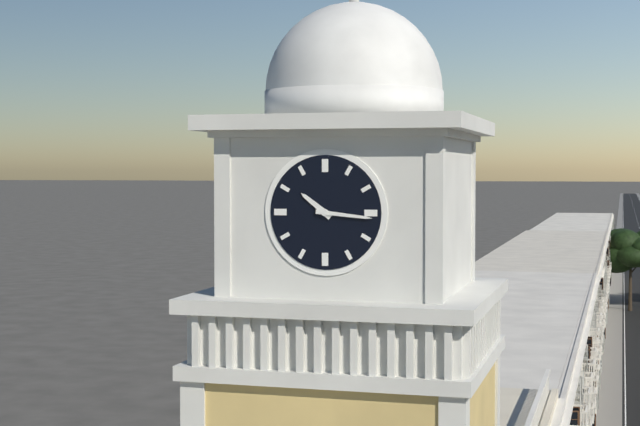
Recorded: h=10 m=16
